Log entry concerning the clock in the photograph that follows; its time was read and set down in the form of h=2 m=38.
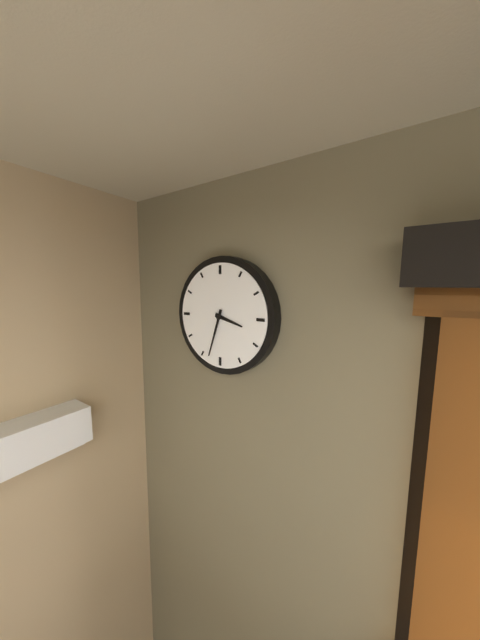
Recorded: h=3 m=33
